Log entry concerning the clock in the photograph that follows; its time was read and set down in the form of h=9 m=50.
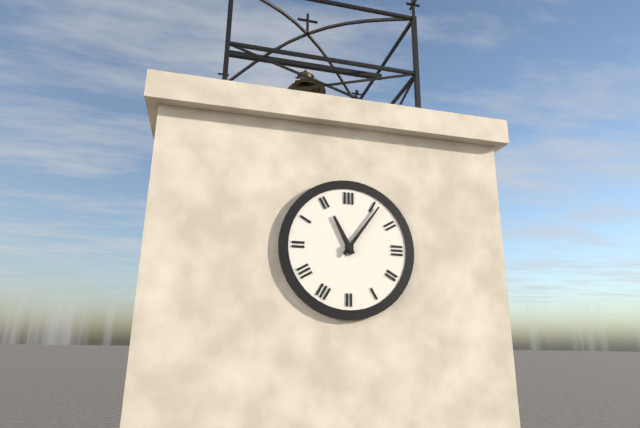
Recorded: h=11 m=6
